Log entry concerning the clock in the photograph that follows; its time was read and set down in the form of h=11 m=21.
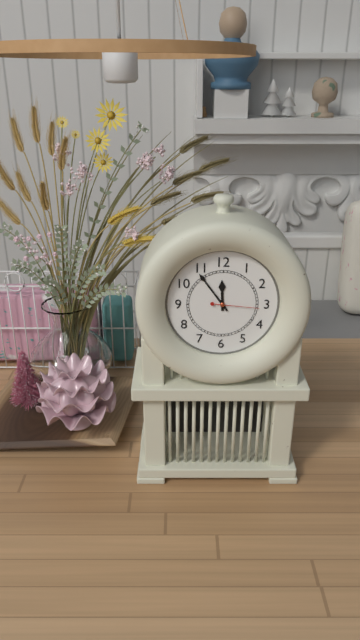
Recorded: h=11 m=54
